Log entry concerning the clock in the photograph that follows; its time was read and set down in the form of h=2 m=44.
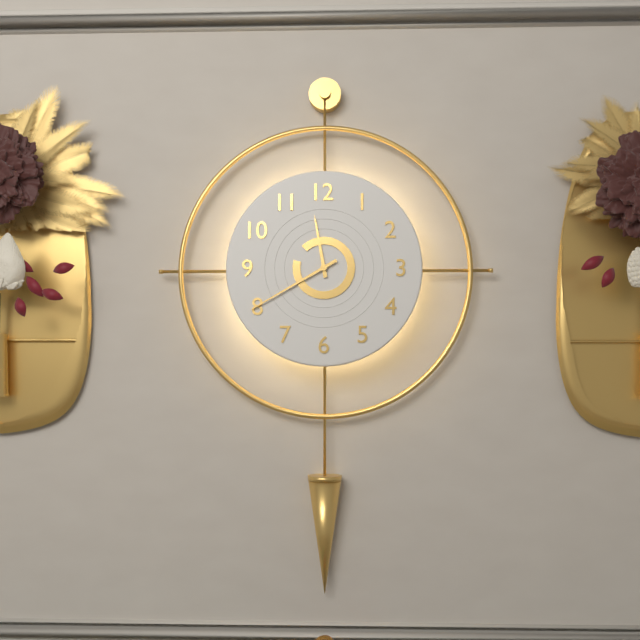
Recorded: h=11 m=40
